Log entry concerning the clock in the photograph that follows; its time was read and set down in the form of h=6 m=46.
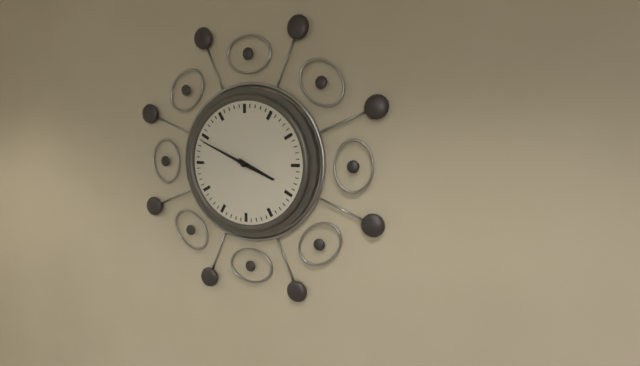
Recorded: h=3 m=49
